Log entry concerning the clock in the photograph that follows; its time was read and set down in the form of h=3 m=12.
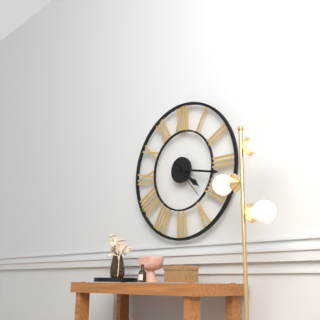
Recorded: h=4 m=17
